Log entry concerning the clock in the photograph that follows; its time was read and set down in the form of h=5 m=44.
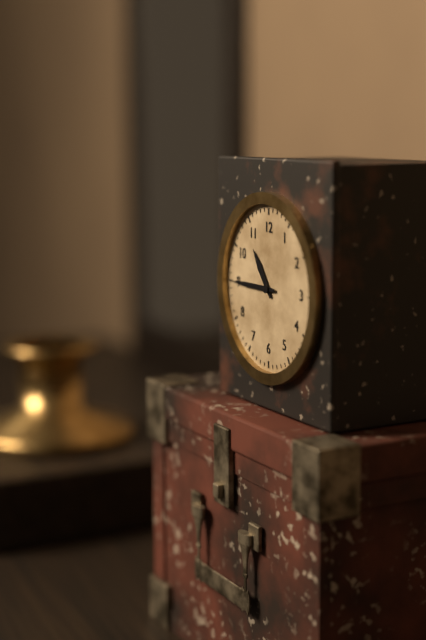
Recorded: h=10 m=45
